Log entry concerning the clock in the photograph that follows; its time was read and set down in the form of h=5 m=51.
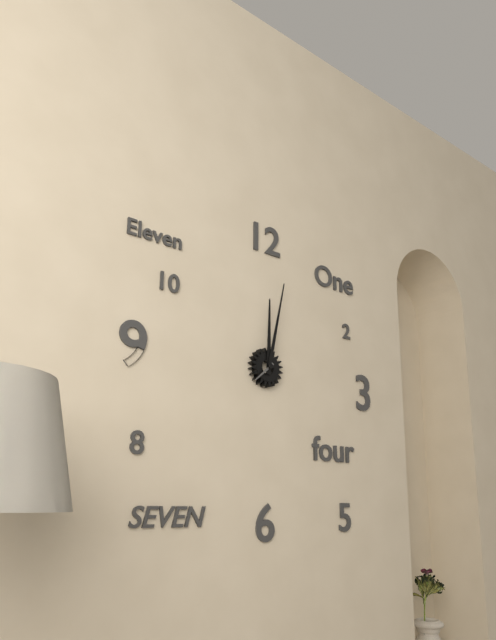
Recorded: h=12 m=2
